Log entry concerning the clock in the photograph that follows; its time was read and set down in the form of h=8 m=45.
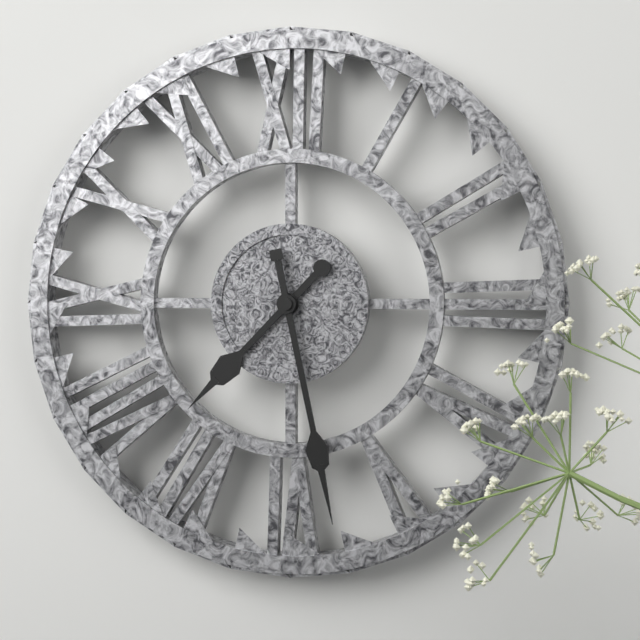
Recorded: h=7 m=28
